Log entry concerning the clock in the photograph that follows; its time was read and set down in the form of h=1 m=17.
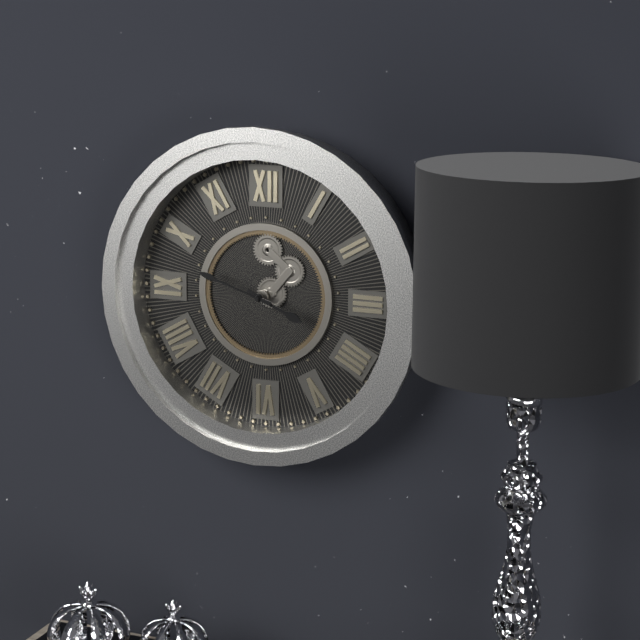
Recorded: h=3 m=48
